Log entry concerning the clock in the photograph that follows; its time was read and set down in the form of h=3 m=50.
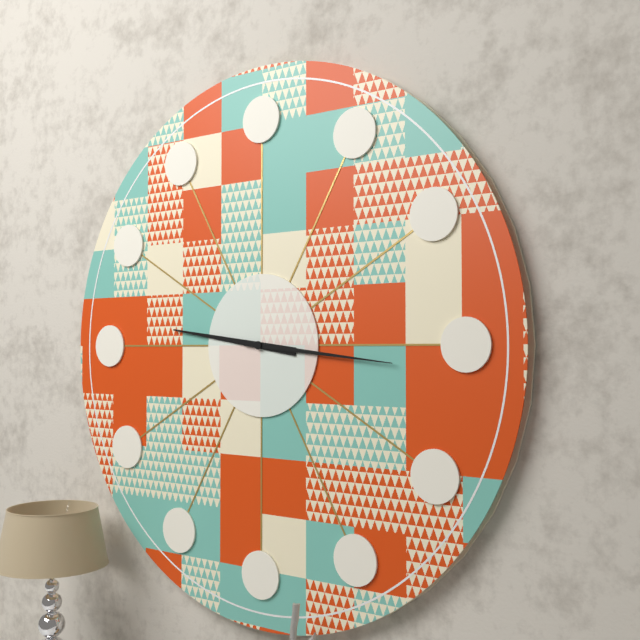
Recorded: h=9 m=16
